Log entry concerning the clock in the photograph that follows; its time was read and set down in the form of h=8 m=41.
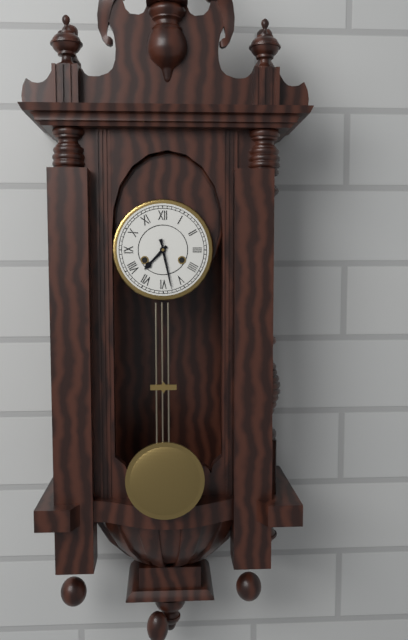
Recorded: h=7 m=28
